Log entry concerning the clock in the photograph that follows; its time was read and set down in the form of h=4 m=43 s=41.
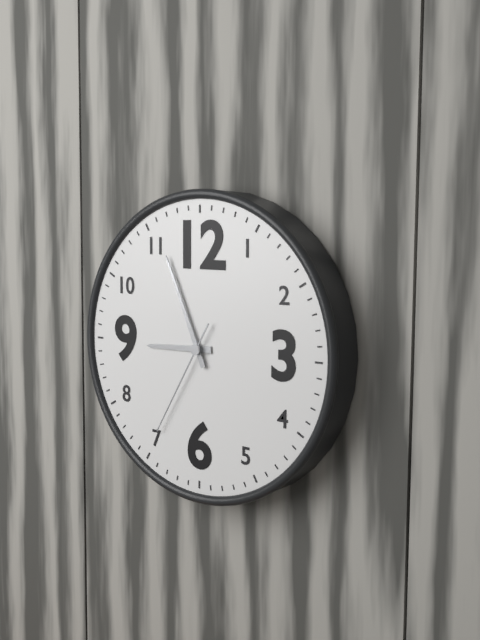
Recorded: h=8 m=56 s=35
